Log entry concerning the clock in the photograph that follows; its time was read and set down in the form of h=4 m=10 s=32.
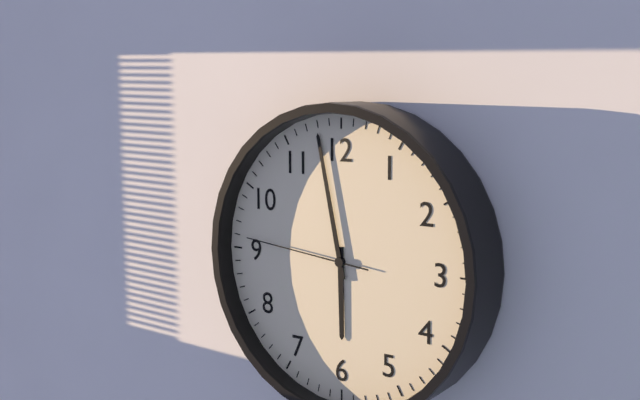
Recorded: h=5 m=58 s=46
